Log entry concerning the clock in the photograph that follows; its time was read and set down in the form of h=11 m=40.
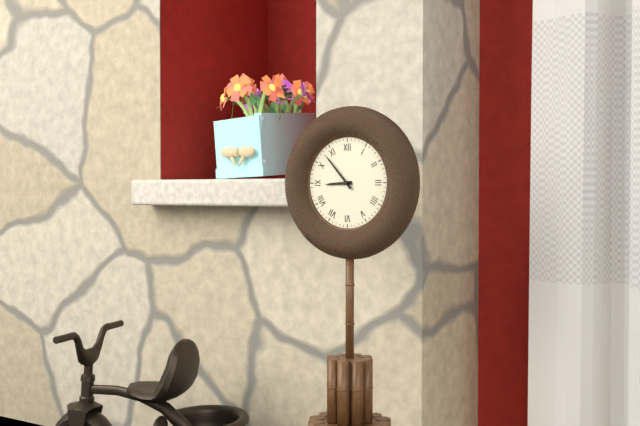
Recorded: h=8 m=53
